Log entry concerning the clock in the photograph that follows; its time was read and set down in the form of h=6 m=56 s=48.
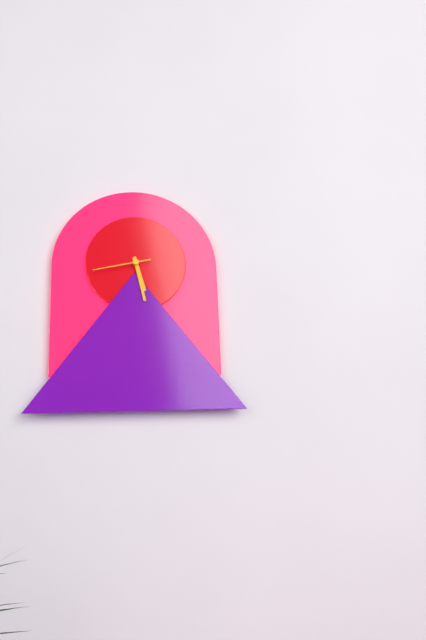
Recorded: h=5 m=28 s=43
